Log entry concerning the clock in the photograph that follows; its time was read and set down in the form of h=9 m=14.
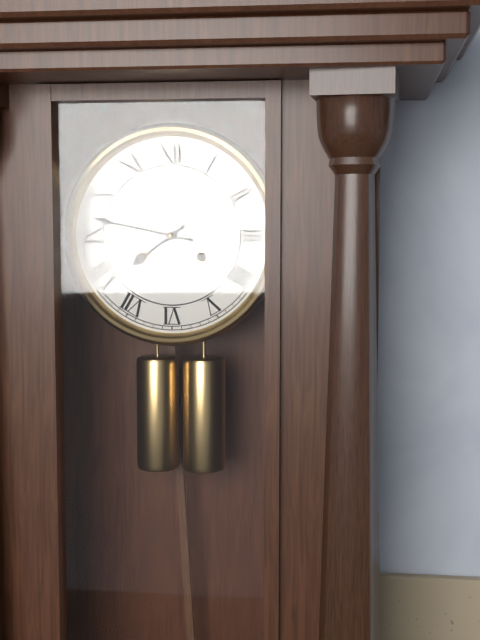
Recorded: h=7 m=47
